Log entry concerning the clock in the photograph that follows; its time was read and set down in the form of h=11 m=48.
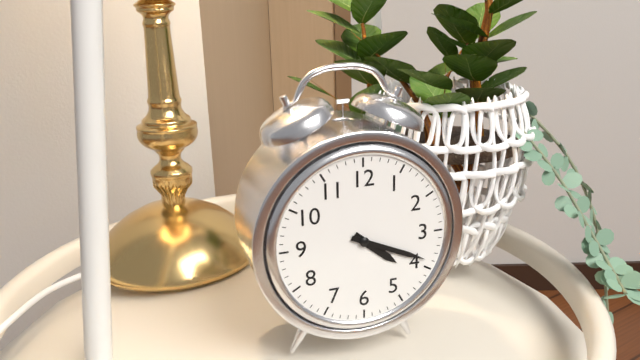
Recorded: h=4 m=19
